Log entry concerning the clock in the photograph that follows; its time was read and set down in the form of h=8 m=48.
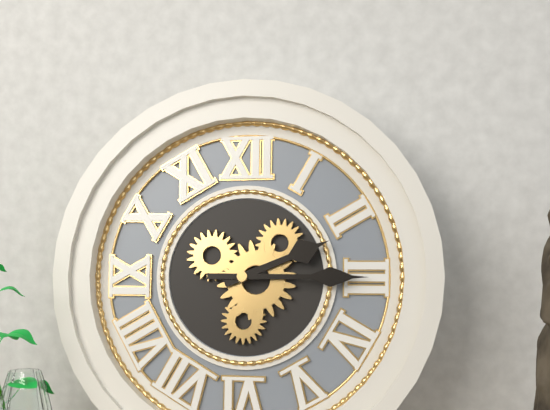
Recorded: h=2 m=15
